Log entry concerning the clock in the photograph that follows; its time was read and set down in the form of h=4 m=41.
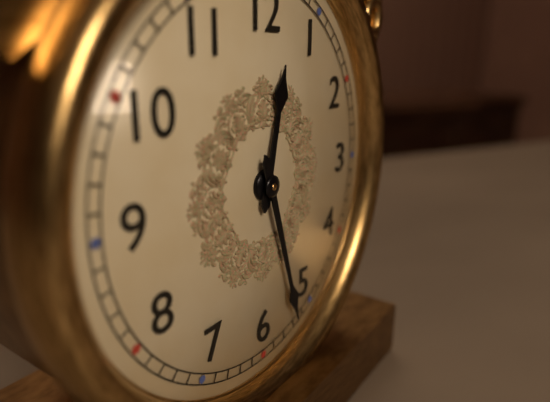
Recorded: h=12 m=27
